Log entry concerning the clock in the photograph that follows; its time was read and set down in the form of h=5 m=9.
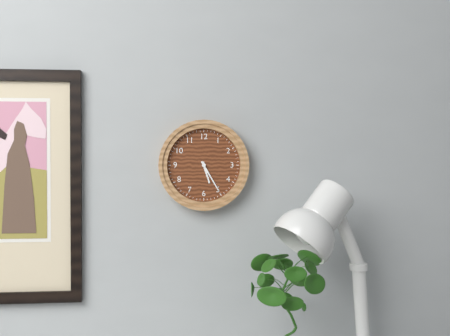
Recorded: h=5 m=25
